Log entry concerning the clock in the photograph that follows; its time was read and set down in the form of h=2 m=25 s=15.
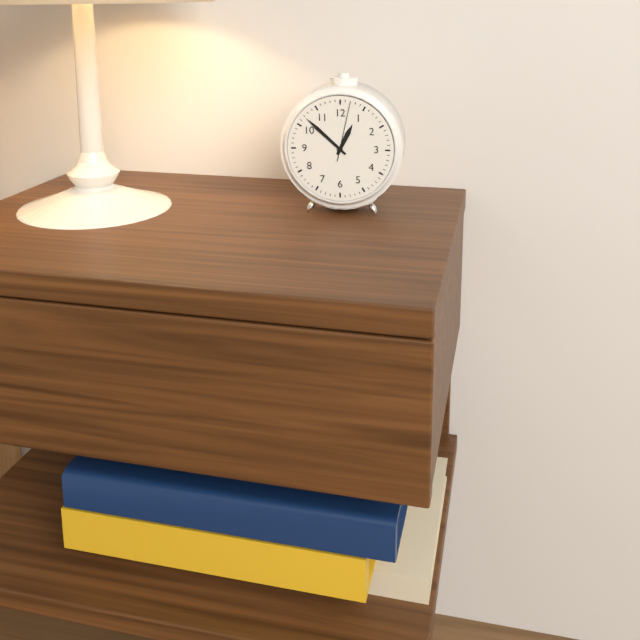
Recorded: h=12 m=52 s=2
